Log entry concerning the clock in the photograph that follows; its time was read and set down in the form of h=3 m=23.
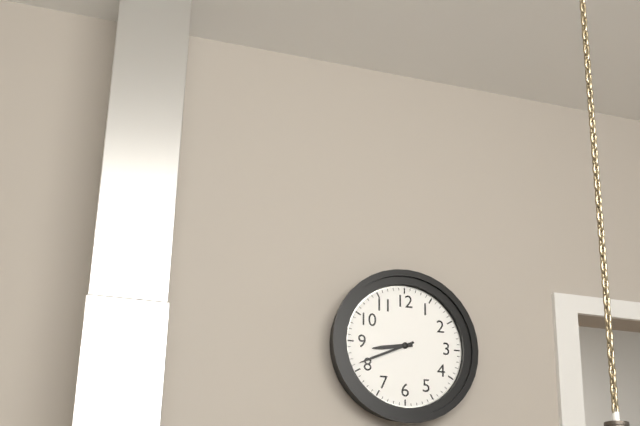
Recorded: h=8 m=41
